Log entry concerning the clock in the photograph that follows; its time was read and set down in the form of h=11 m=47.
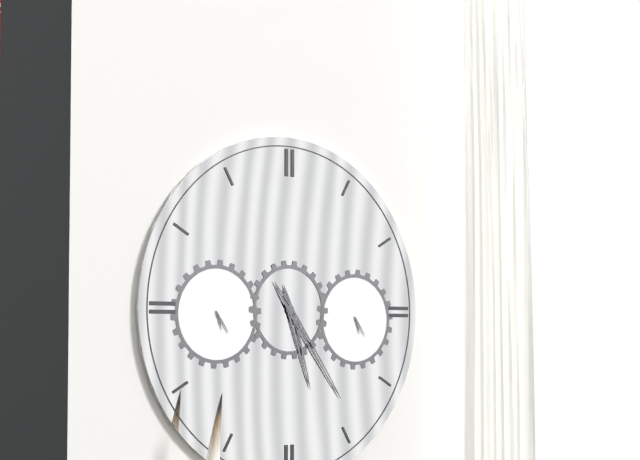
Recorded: h=5 m=24
